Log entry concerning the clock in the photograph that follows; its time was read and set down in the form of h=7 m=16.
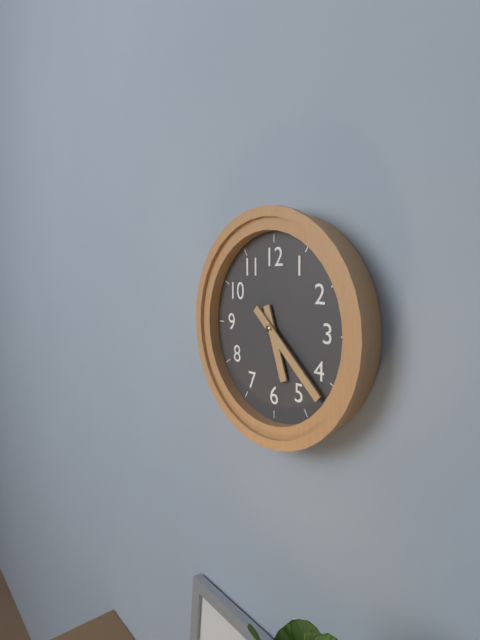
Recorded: h=5 m=22
